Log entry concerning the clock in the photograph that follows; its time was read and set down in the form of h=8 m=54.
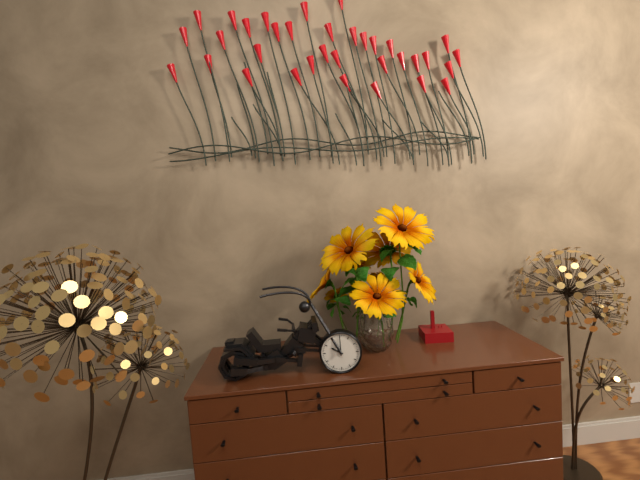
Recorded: h=10 m=0
